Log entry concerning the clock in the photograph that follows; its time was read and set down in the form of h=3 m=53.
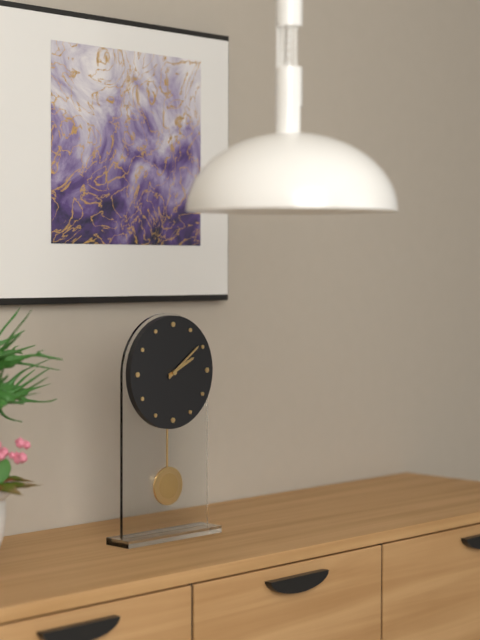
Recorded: h=2 m=9
